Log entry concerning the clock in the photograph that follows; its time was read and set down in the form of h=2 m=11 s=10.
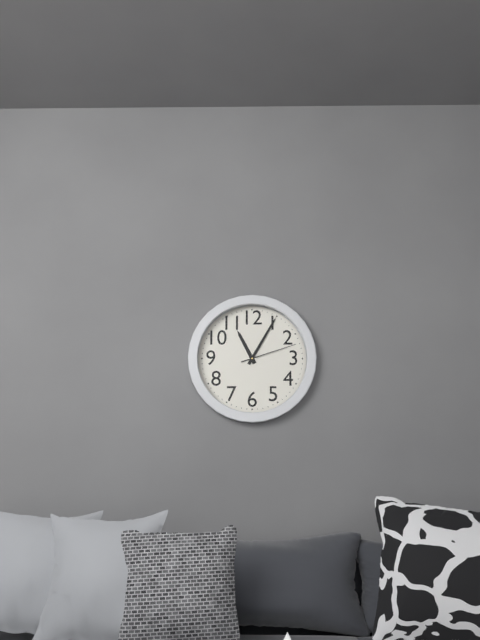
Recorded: h=11 m=5 s=12
